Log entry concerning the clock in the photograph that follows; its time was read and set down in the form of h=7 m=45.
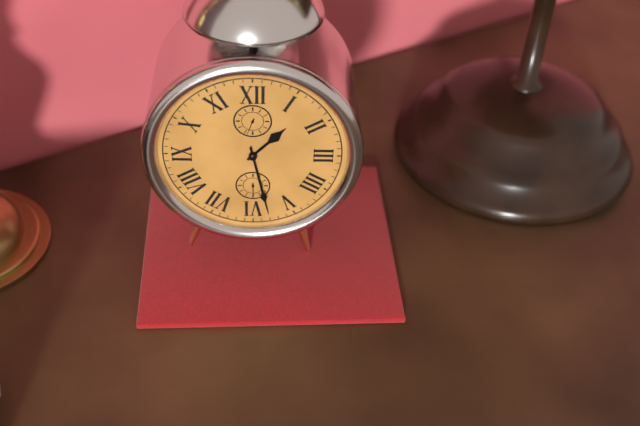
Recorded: h=1 m=28
